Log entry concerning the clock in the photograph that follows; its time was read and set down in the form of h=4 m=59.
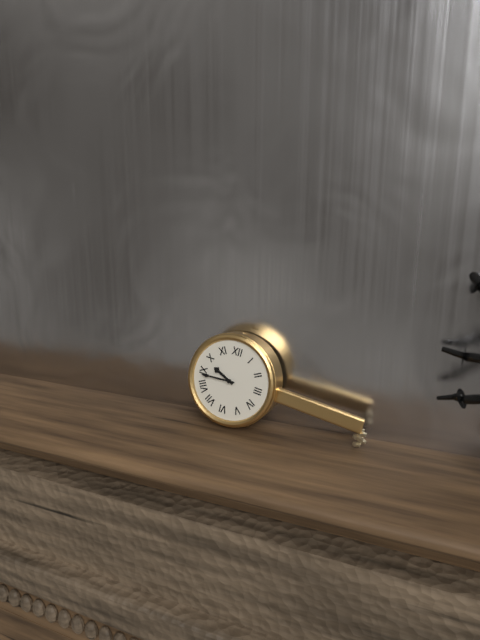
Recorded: h=9 m=44
